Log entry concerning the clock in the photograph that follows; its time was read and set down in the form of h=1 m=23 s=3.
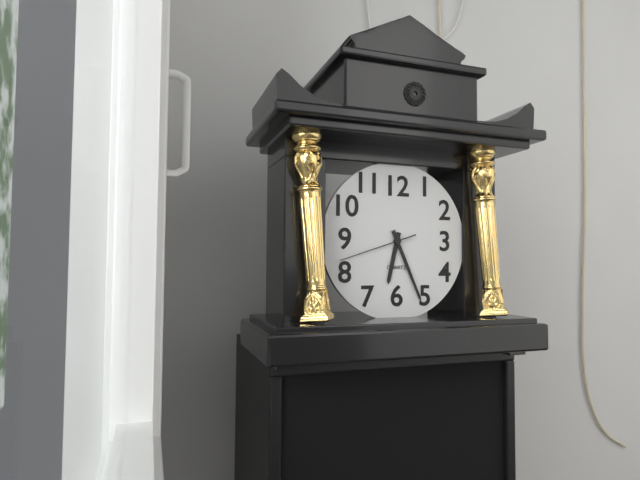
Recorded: h=6 m=26 s=42
